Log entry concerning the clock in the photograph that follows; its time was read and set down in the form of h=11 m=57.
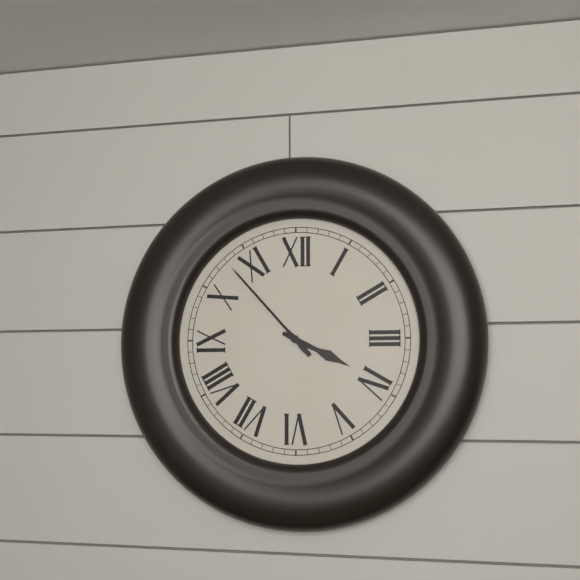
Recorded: h=3 m=53
